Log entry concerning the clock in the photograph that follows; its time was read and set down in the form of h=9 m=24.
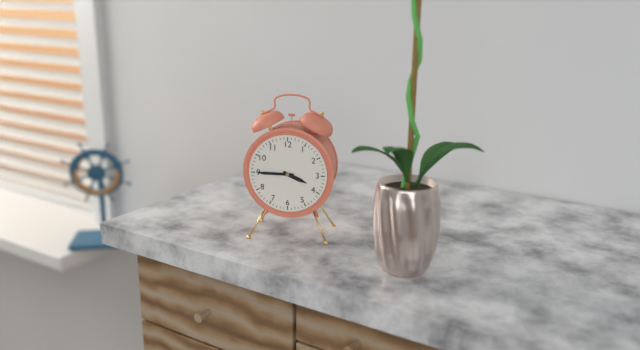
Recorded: h=3 m=45
